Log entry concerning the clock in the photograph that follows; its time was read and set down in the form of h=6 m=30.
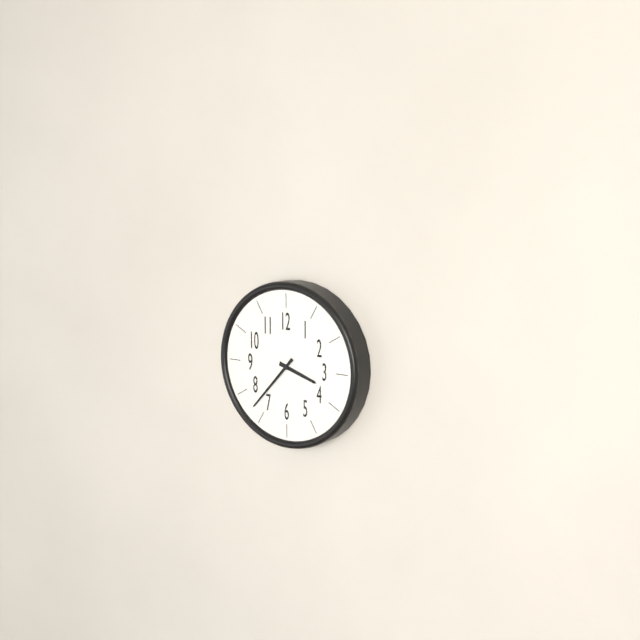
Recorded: h=3 m=37
